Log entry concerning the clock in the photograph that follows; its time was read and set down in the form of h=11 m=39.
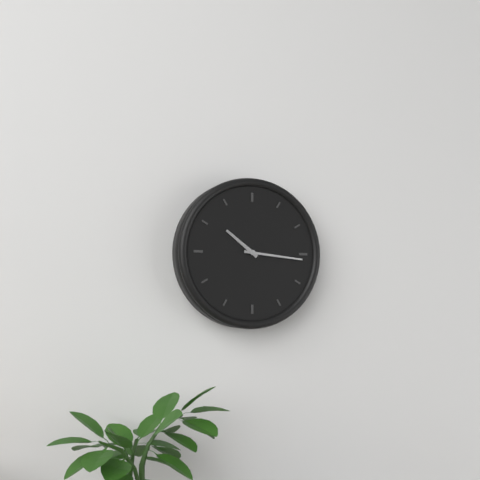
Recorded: h=10 m=16
